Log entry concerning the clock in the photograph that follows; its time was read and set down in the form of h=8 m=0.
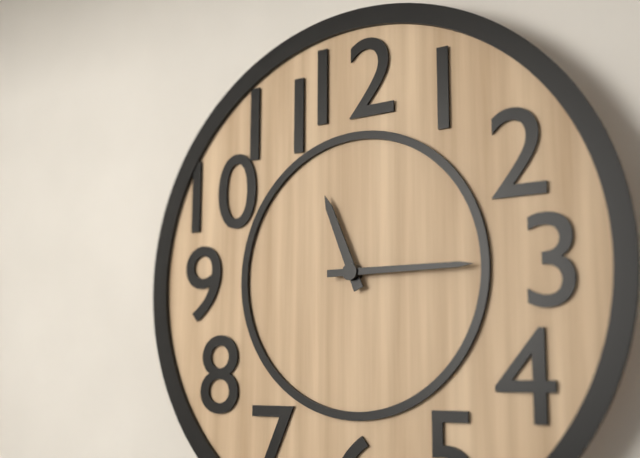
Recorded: h=11 m=15
